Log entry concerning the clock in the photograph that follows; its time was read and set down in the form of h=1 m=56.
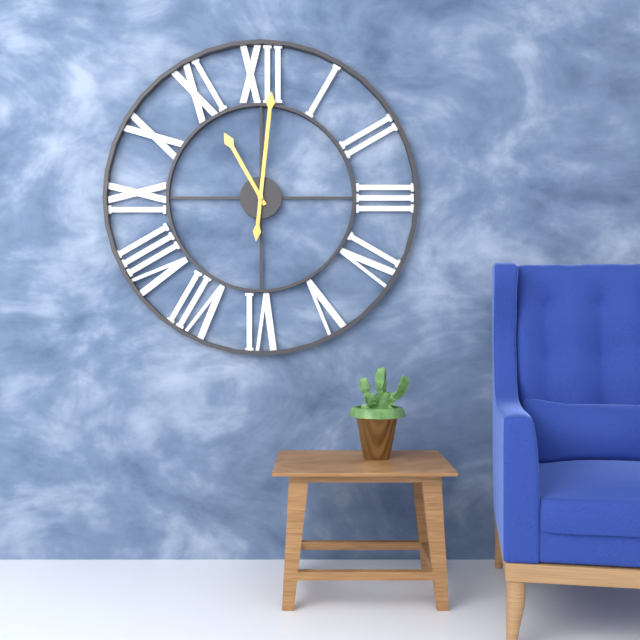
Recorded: h=11 m=1
